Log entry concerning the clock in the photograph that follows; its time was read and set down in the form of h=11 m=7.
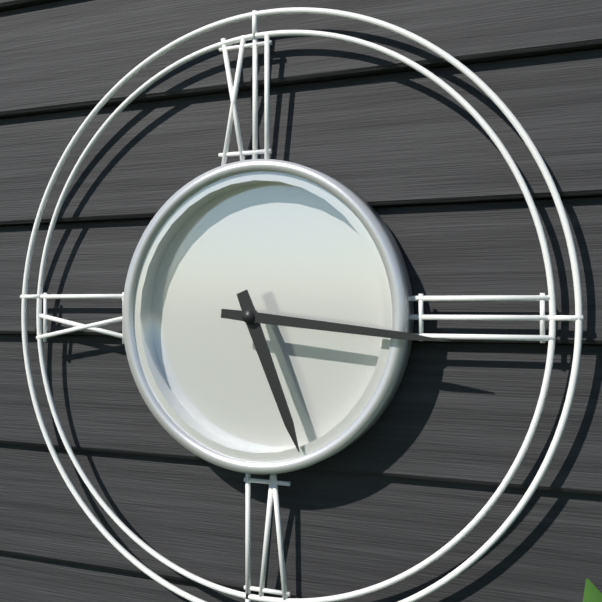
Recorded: h=5 m=16
